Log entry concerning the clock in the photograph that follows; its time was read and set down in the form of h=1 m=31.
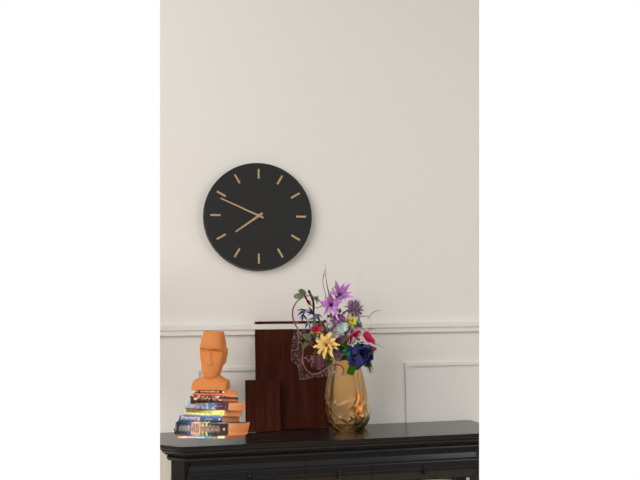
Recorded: h=7 m=49
